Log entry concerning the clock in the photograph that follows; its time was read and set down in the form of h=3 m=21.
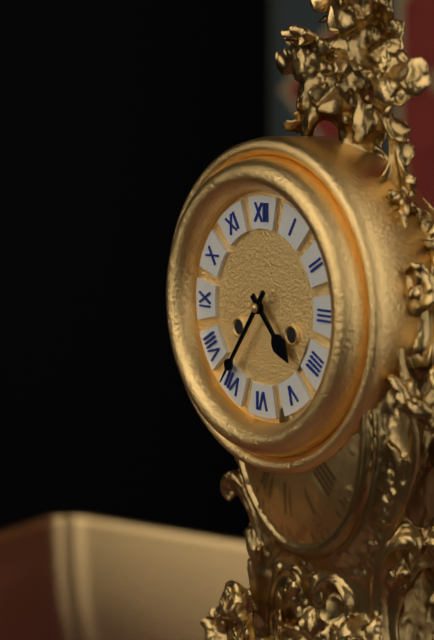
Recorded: h=4 m=36
